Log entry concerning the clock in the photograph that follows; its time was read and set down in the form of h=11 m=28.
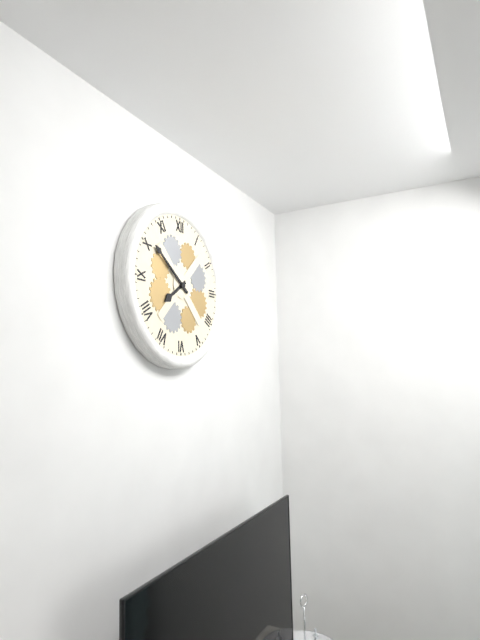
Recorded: h=7 m=51
